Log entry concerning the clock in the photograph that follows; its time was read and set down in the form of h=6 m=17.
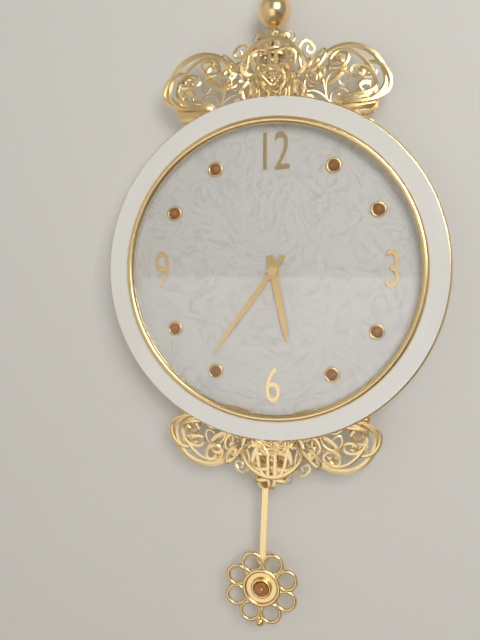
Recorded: h=5 m=36
